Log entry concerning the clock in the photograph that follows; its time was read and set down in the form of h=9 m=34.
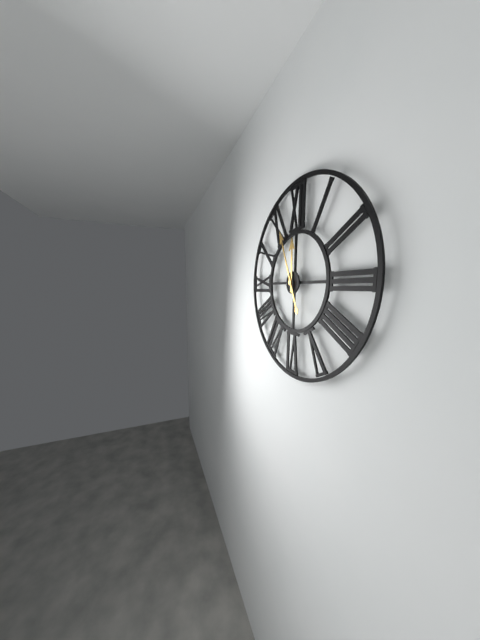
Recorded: h=11 m=56
